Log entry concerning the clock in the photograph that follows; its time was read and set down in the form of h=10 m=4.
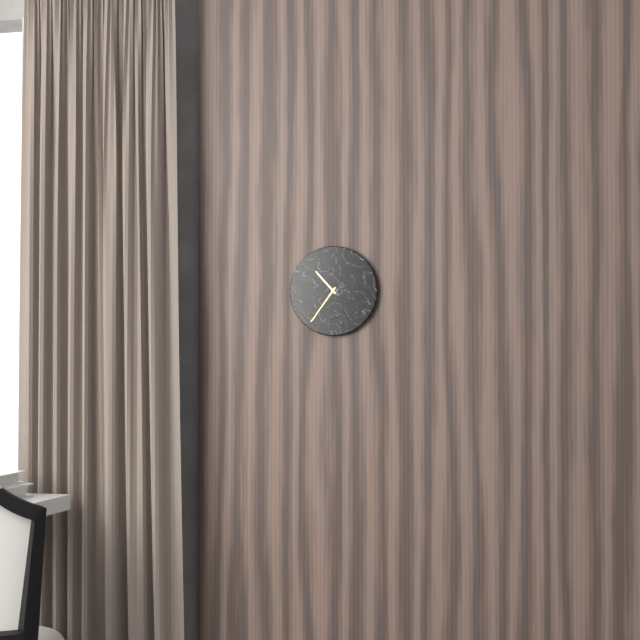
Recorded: h=10 m=36
